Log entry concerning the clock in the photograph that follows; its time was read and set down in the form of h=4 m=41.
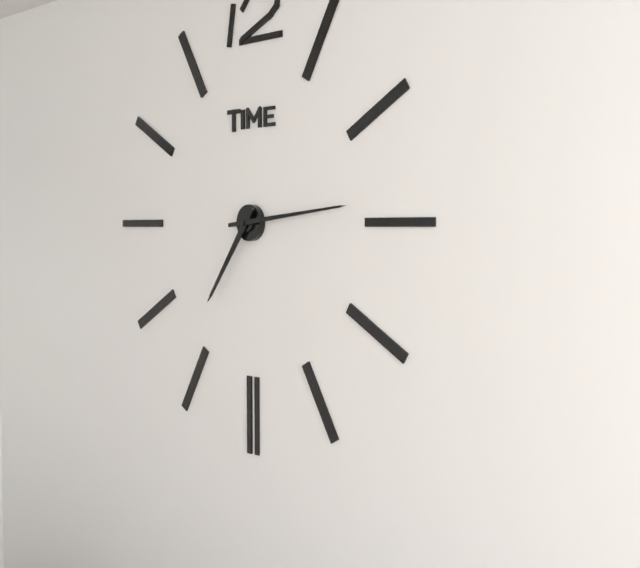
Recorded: h=7 m=14
